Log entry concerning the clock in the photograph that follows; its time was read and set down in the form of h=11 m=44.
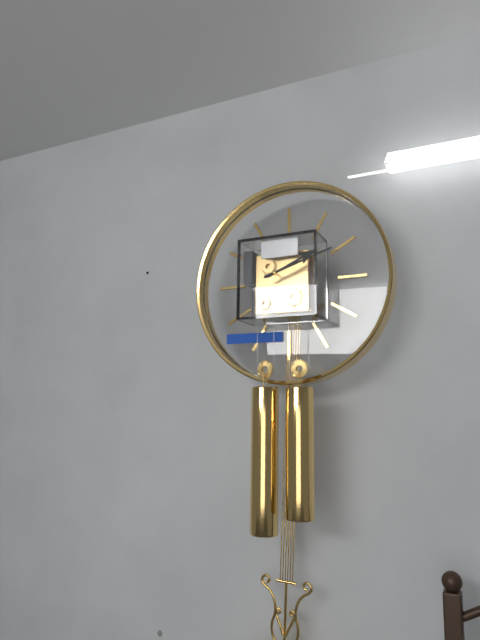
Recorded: h=2 m=12
